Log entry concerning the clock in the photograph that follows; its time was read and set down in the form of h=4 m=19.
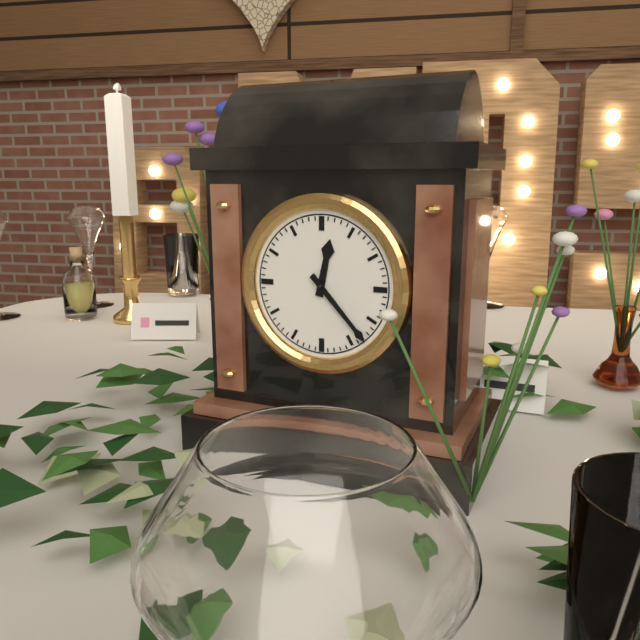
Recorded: h=12 m=23
